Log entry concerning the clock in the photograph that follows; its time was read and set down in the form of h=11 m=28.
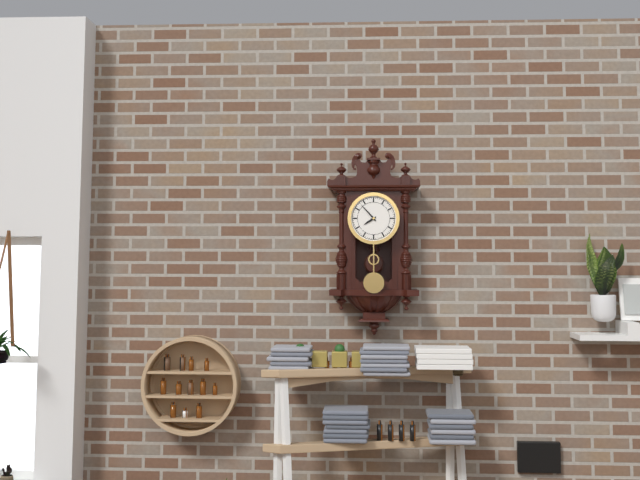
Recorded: h=7 m=53
